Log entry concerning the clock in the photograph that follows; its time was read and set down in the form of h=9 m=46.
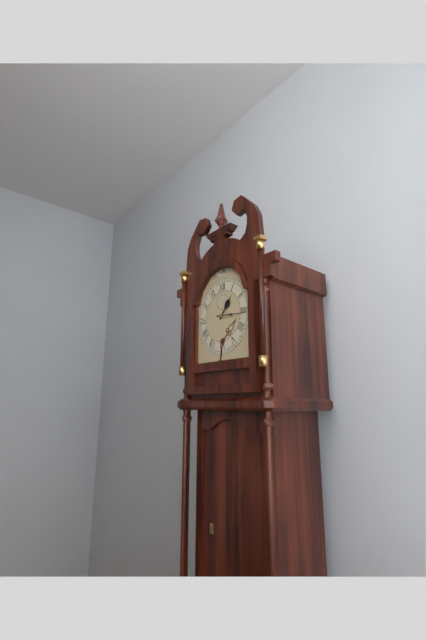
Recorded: h=1 m=16
